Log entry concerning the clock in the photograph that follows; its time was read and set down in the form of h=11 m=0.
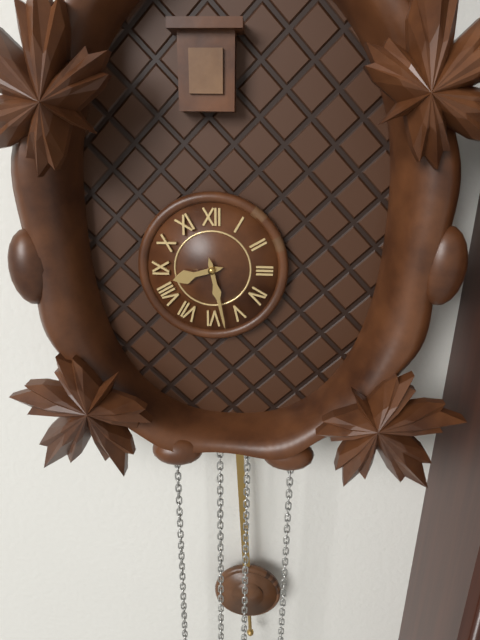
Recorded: h=8 m=28
